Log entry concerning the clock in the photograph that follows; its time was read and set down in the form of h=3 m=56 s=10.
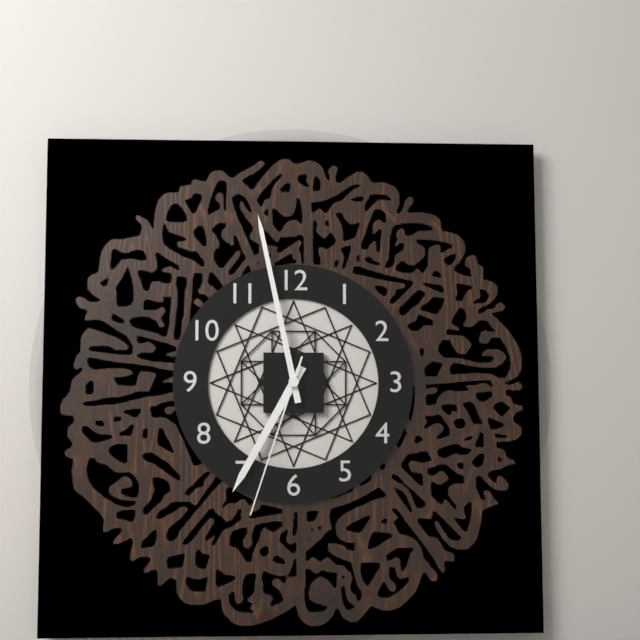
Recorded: h=6 m=58 s=33
